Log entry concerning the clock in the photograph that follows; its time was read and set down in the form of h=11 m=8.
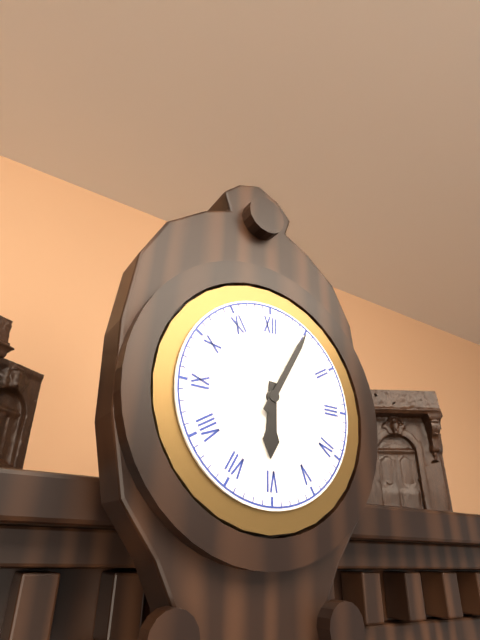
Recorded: h=6 m=5
